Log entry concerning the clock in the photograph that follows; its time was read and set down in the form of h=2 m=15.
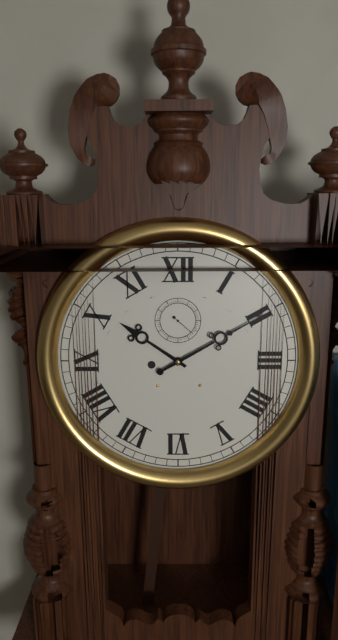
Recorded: h=10 m=10
